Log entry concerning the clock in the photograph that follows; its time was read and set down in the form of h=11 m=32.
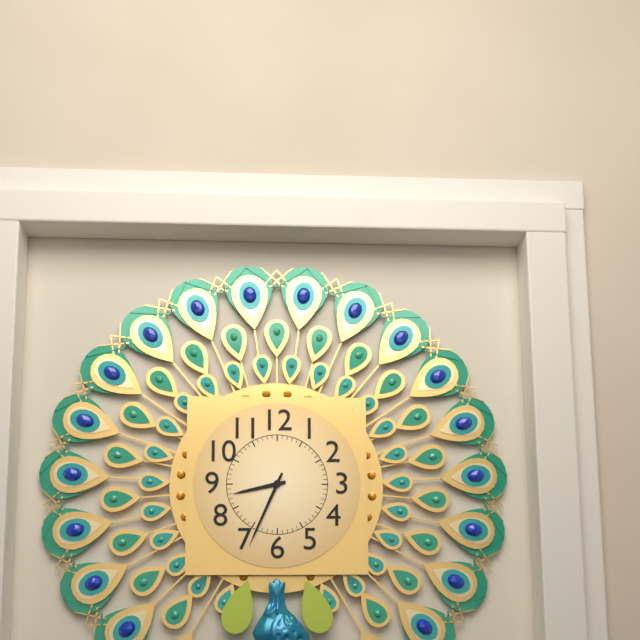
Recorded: h=8 m=34
